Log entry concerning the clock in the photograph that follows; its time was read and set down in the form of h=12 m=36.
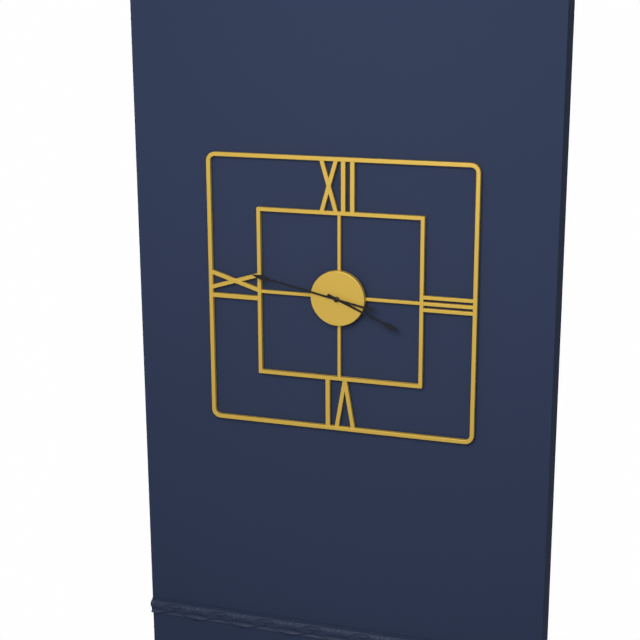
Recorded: h=3 m=47
